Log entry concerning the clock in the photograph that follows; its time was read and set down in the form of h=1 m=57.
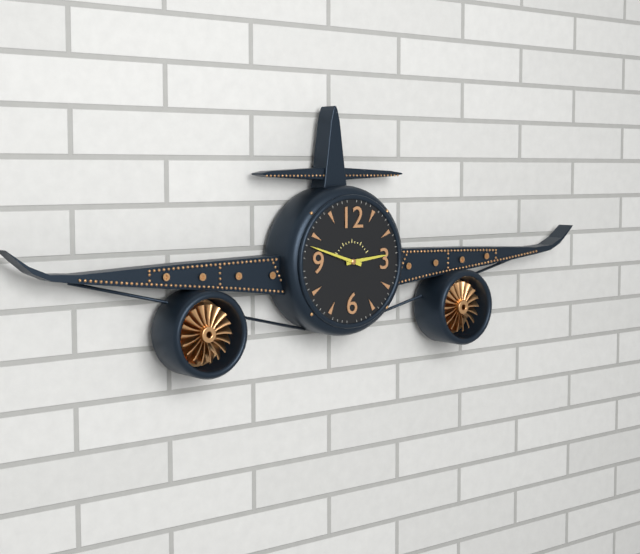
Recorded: h=2 m=48
